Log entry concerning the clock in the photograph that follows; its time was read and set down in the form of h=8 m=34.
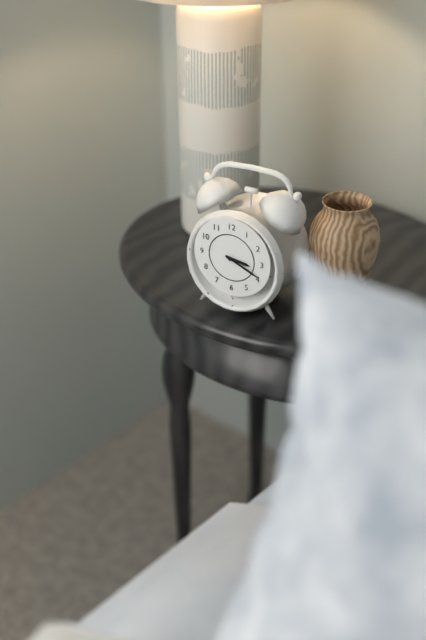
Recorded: h=3 m=19
